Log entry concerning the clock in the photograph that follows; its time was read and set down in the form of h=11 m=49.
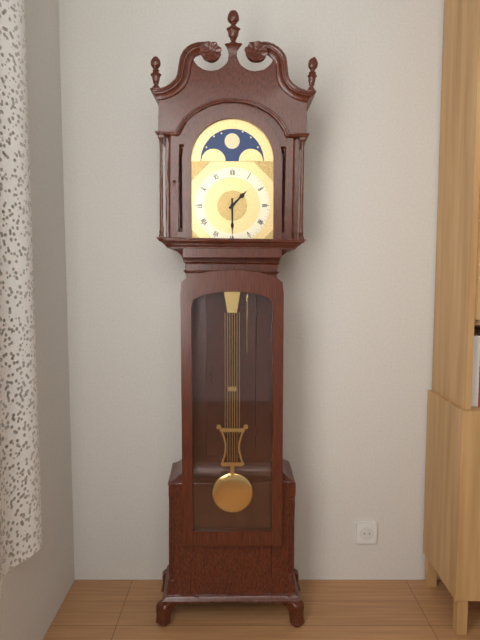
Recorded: h=1 m=30
